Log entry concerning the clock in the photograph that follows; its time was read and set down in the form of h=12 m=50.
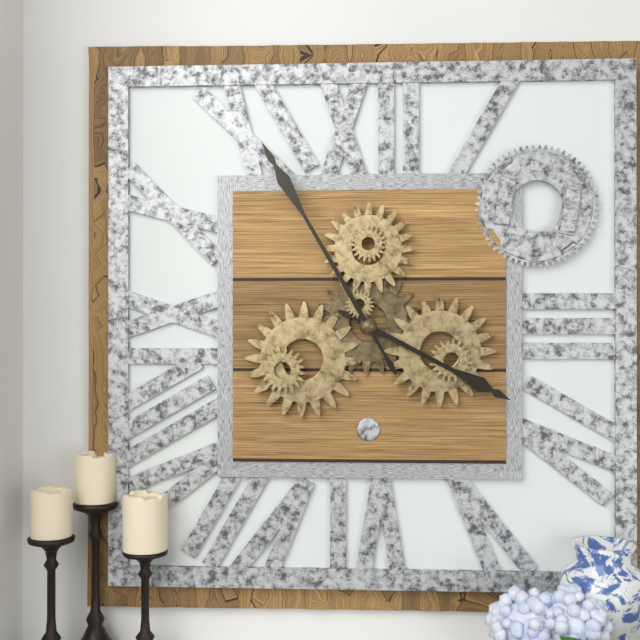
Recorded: h=3 m=55
